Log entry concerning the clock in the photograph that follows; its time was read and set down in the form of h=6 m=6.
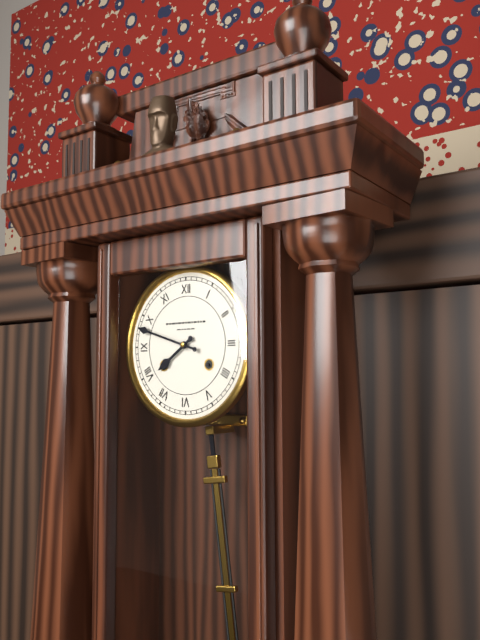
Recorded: h=7 m=48
